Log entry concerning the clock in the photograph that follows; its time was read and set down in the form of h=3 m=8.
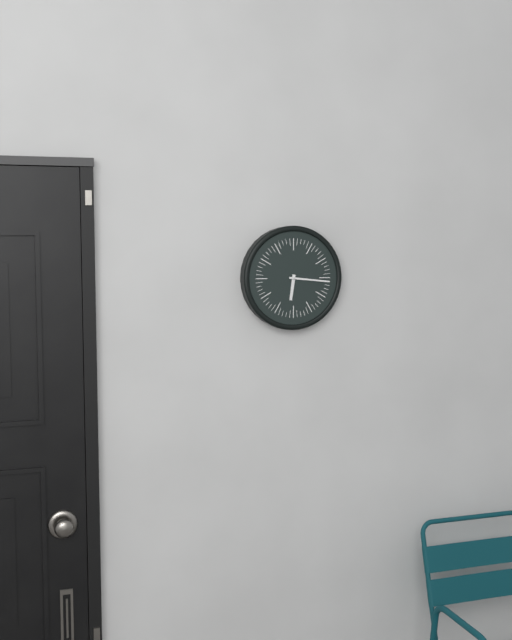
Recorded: h=6 m=16
